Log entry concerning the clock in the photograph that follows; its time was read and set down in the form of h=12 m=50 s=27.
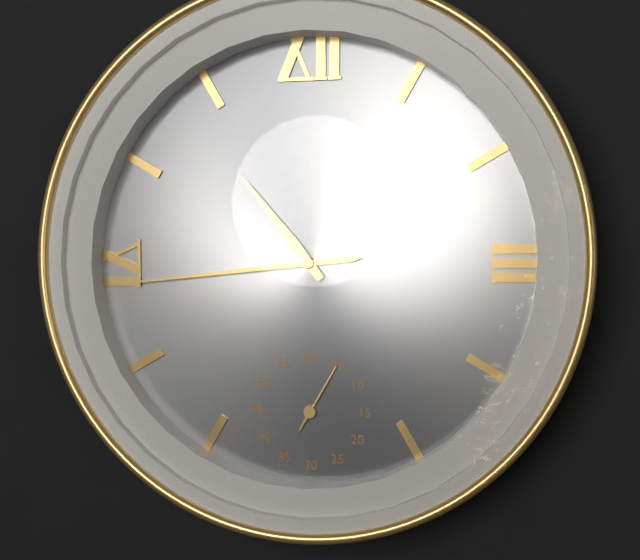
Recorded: h=10 m=44 s=5
